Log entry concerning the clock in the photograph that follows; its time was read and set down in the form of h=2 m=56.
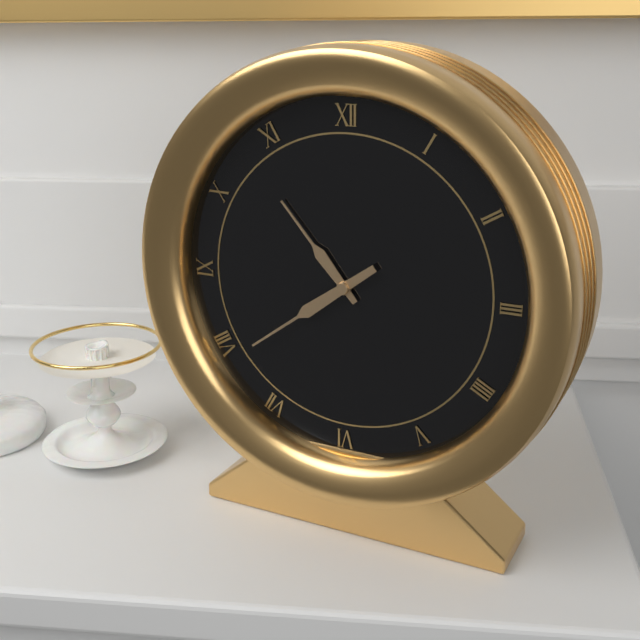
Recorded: h=10 m=39
